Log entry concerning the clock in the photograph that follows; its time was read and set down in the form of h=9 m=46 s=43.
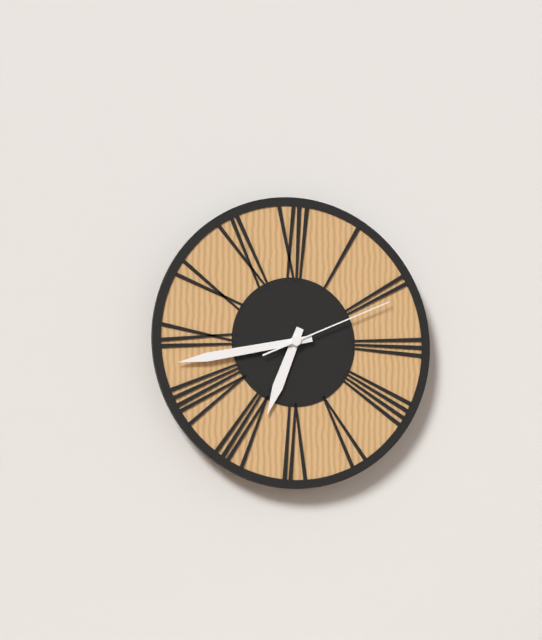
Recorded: h=6 m=43 s=11
